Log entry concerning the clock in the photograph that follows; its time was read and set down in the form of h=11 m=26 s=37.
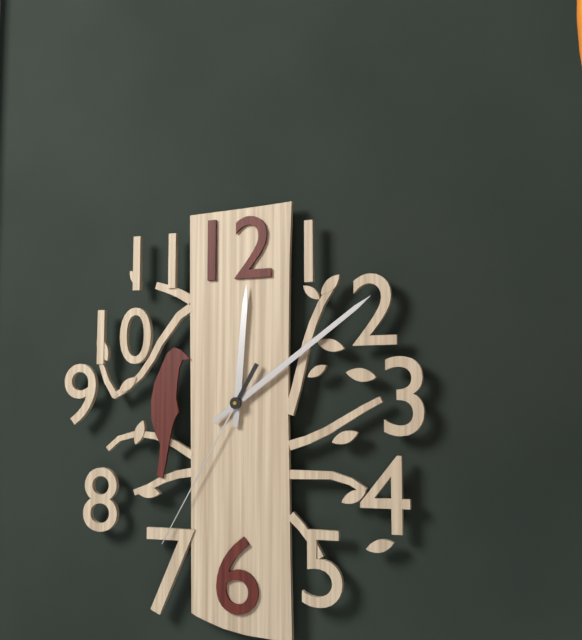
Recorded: h=12 m=9 s=35
